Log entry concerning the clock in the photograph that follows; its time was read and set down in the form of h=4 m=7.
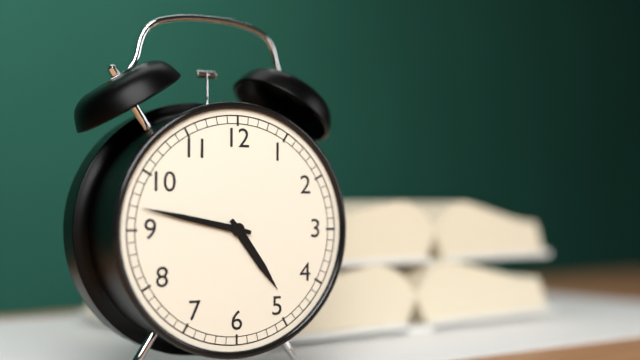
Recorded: h=4 m=47
